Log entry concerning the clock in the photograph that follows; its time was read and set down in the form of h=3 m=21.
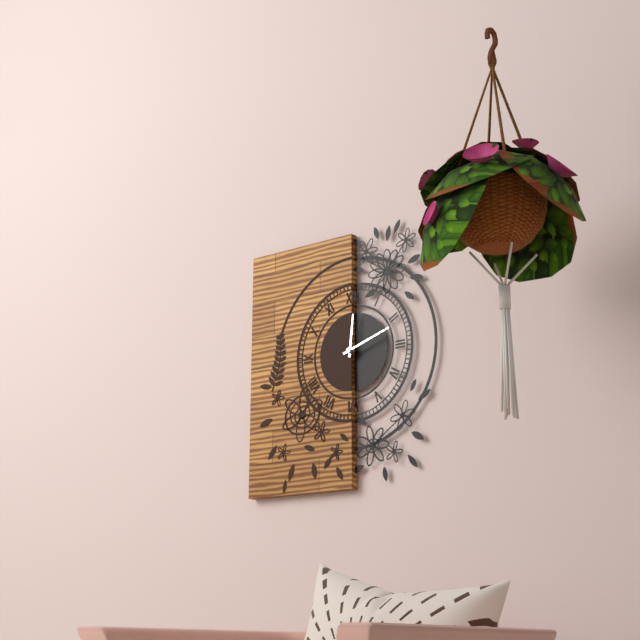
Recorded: h=12 m=12
